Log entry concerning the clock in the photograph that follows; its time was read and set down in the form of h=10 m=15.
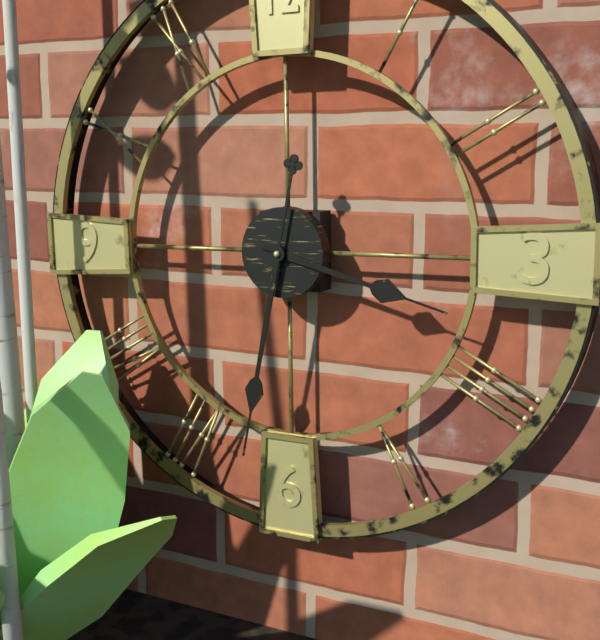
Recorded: h=3 m=32
